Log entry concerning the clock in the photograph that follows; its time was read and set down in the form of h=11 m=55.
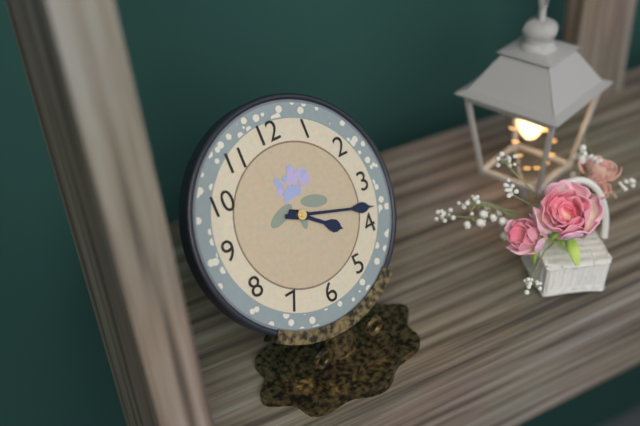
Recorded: h=4 m=18
